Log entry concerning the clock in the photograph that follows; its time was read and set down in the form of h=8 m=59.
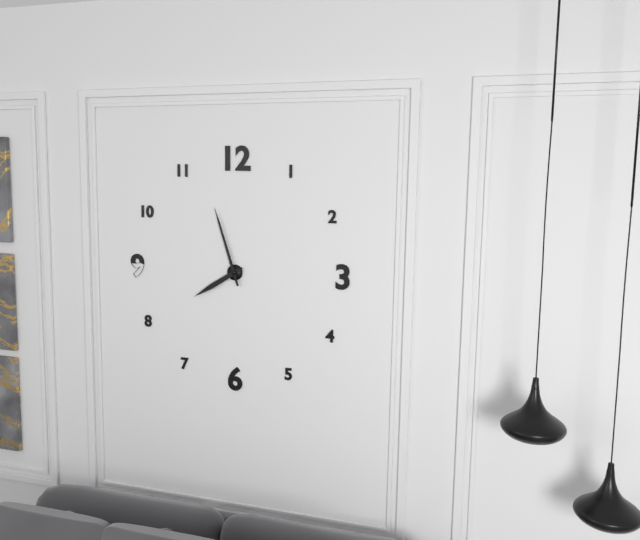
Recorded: h=7 m=57
